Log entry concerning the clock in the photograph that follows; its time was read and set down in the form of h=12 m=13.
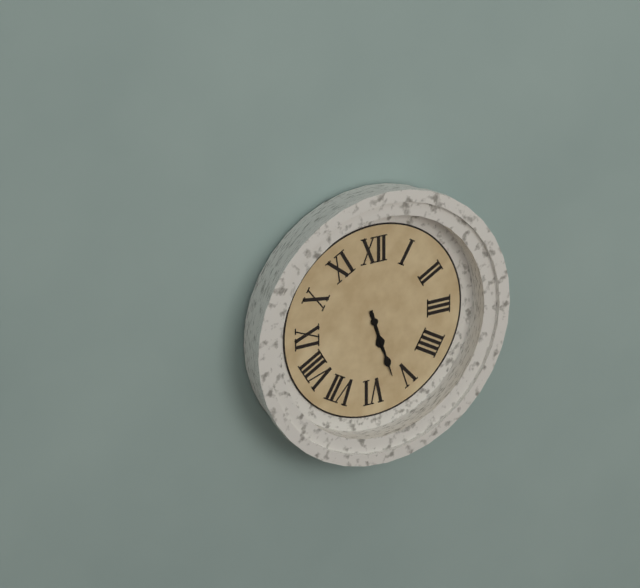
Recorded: h=5 m=27
